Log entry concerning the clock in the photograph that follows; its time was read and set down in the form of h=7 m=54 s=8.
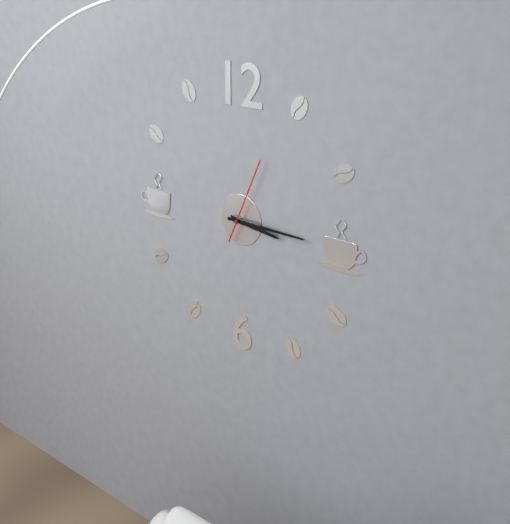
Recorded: h=3 m=15 s=4
